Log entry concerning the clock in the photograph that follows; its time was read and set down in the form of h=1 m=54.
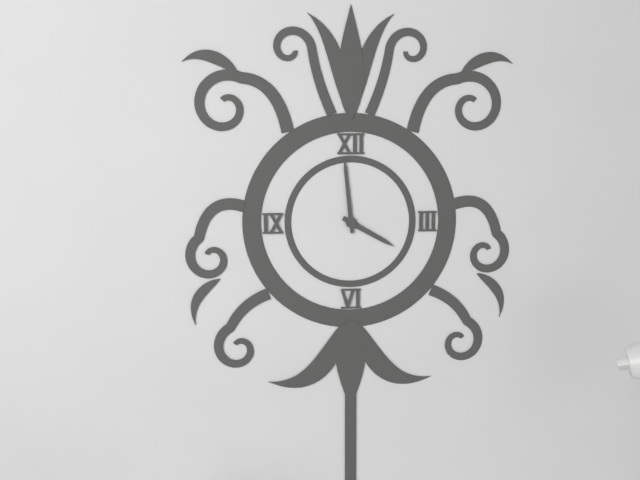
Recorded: h=3 m=59
